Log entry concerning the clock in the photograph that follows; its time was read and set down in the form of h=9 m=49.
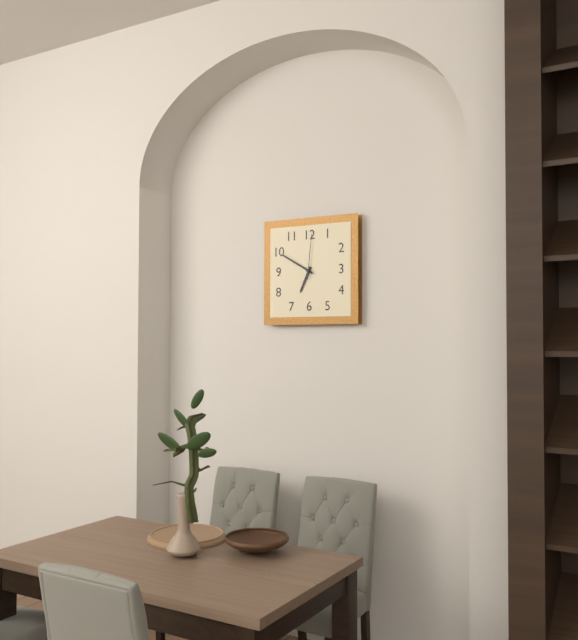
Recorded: h=6 m=50
